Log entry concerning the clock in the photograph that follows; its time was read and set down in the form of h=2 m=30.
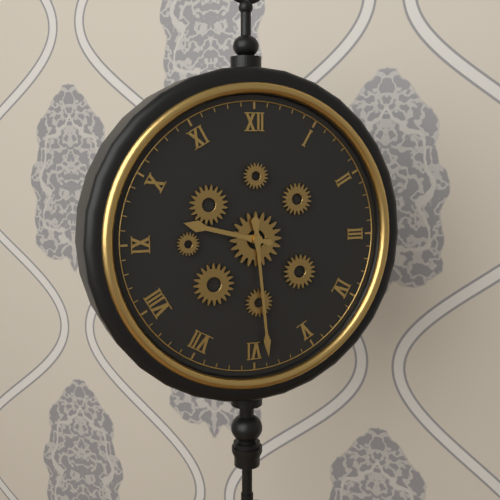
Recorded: h=9 m=29
